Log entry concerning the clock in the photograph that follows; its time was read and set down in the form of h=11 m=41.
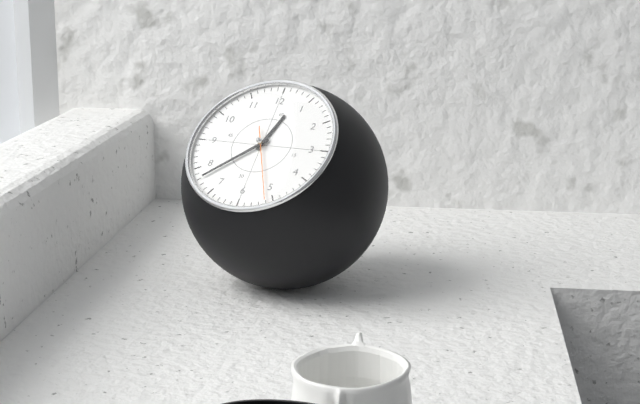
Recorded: h=12 m=38
